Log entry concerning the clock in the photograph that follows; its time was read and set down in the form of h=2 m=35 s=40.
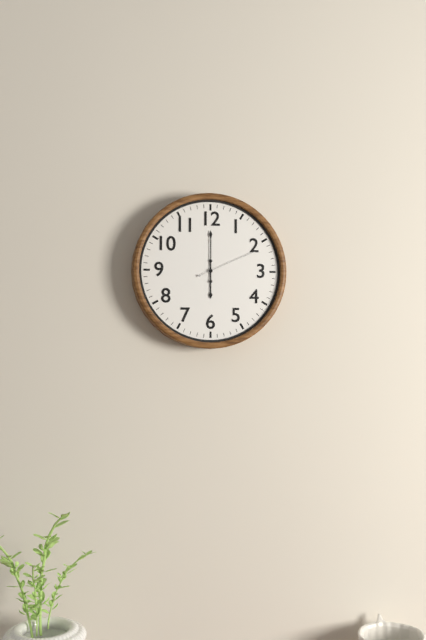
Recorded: h=6 m=0 s=11
